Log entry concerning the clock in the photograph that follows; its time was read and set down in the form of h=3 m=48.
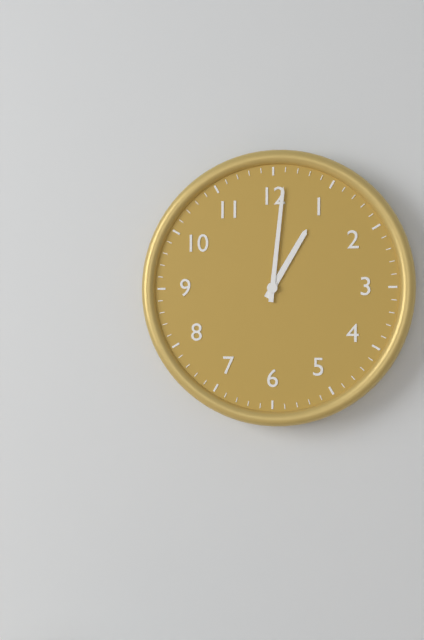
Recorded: h=1 m=1
